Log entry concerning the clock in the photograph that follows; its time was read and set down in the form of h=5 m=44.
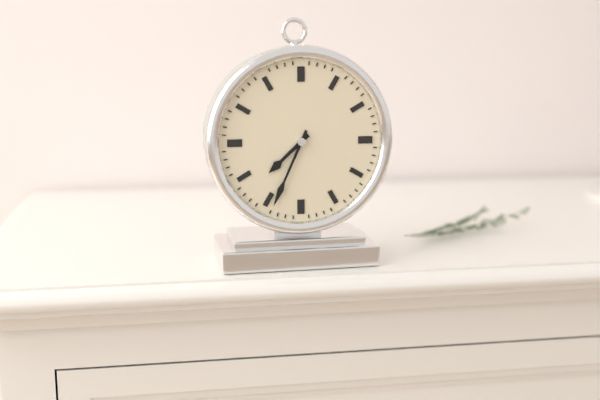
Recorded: h=7 m=34
